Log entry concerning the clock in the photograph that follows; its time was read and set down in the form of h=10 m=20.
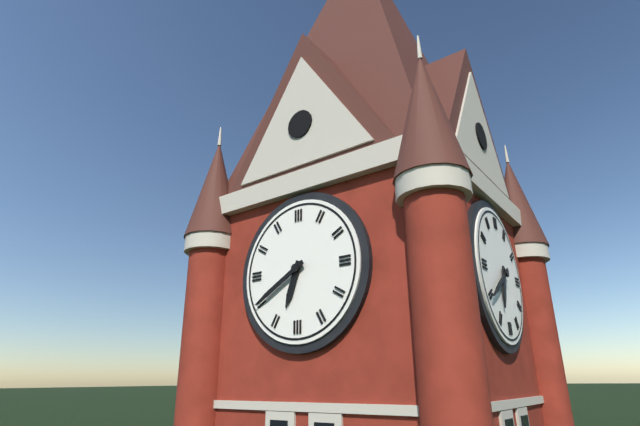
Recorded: h=6 m=40
